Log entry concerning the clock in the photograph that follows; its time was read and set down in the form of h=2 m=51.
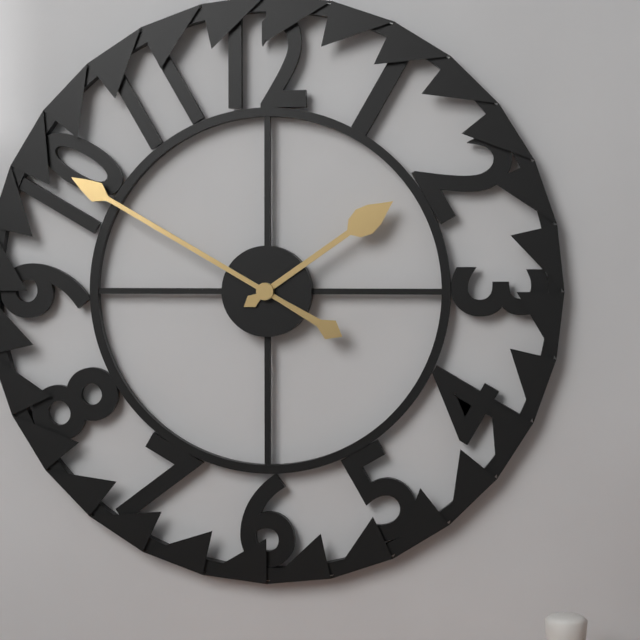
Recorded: h=1 m=50
